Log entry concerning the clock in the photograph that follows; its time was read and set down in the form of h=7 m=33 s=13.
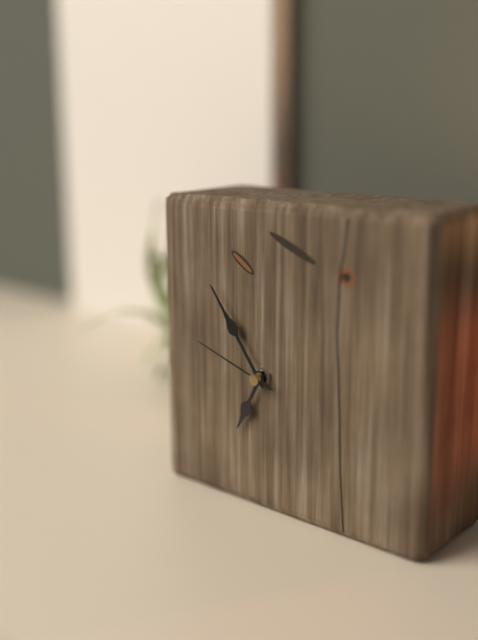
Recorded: h=6 m=54 s=48
